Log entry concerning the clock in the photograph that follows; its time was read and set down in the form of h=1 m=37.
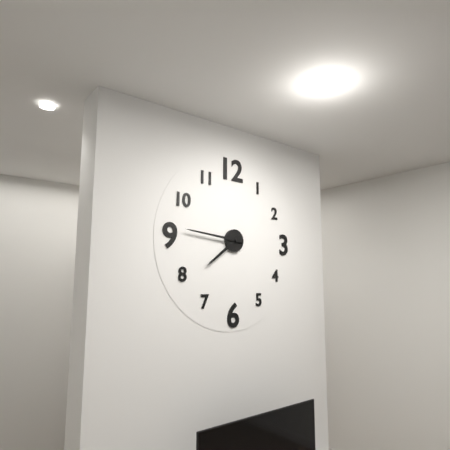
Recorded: h=7 m=46
